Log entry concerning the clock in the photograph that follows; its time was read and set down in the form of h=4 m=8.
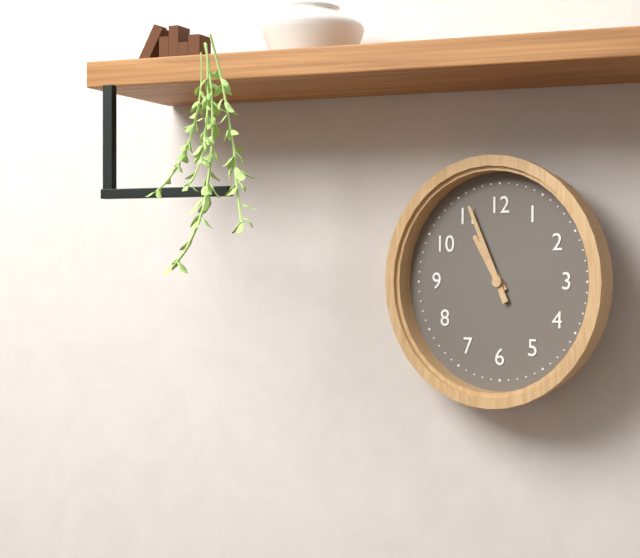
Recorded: h=10 m=56
